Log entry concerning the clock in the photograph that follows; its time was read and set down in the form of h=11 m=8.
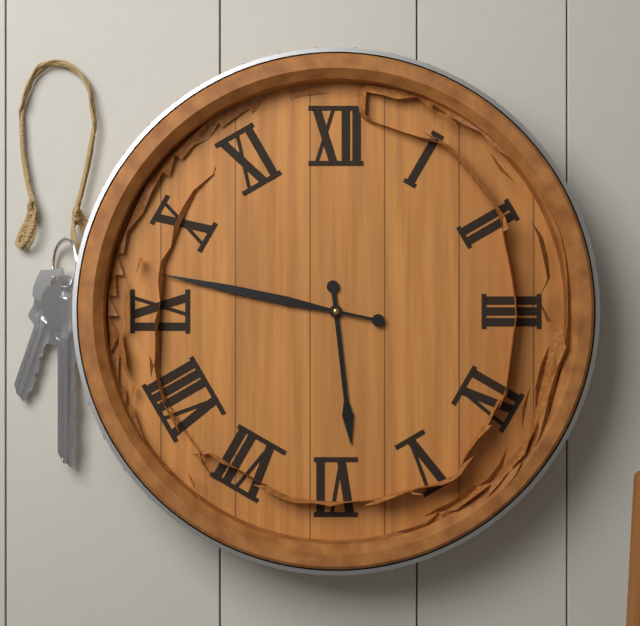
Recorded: h=5 m=47
